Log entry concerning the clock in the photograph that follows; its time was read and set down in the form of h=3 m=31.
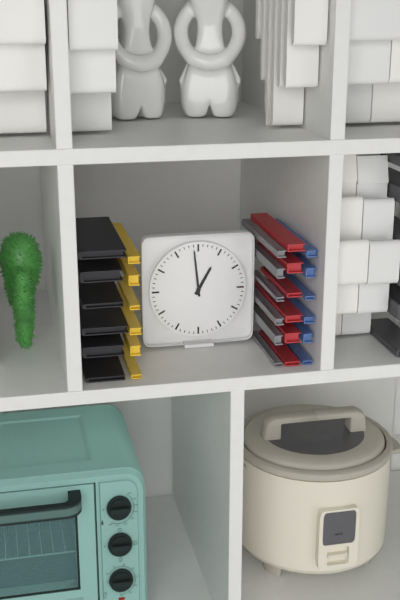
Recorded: h=12 m=59
